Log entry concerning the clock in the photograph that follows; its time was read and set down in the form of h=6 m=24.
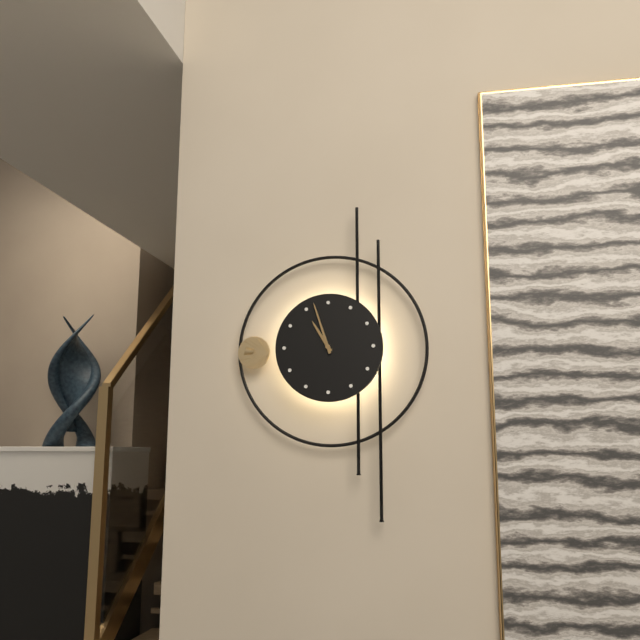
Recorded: h=10 m=57
